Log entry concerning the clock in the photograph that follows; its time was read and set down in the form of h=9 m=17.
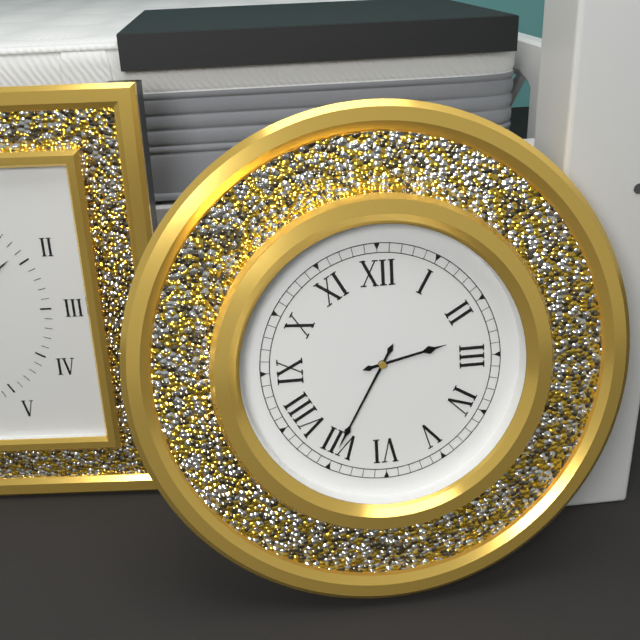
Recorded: h=2 m=35
